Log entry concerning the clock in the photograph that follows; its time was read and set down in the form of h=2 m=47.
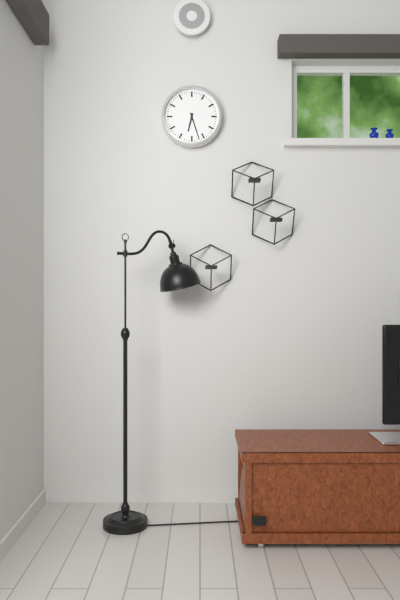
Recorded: h=6 m=27
